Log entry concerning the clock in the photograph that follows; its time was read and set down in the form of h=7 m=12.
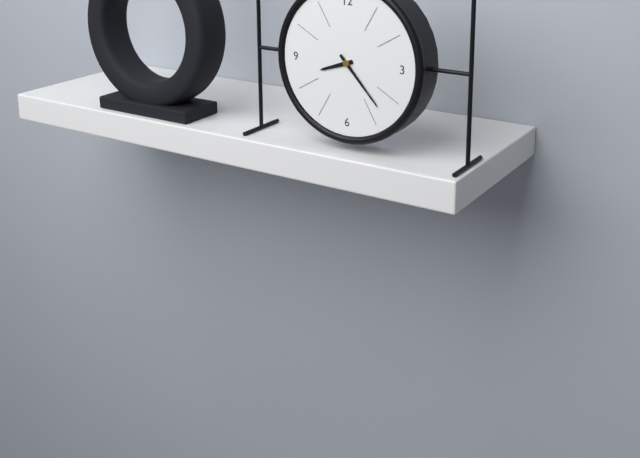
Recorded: h=8 m=23
